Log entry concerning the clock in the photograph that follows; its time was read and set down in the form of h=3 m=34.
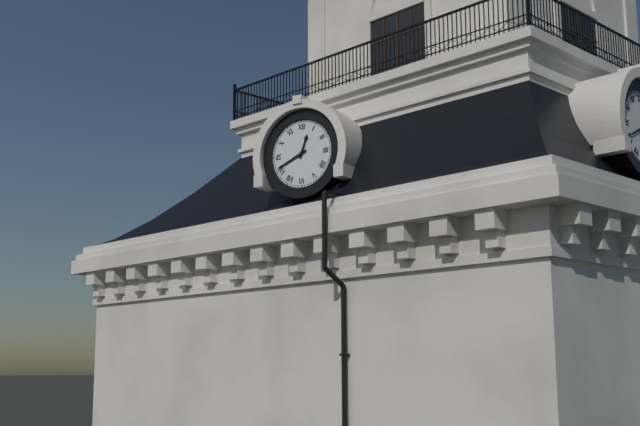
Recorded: h=12 m=41
